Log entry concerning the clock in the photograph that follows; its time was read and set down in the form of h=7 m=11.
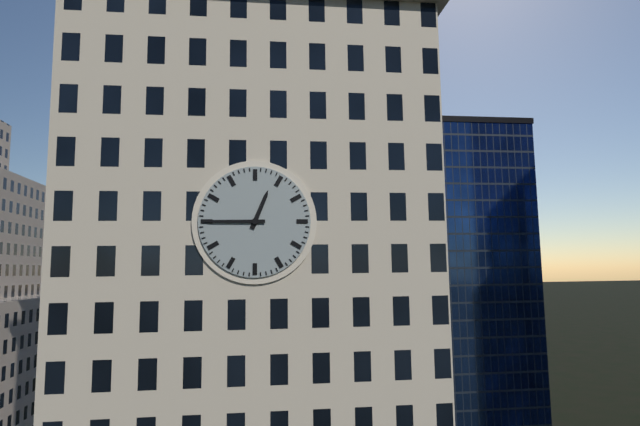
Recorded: h=12 m=45
